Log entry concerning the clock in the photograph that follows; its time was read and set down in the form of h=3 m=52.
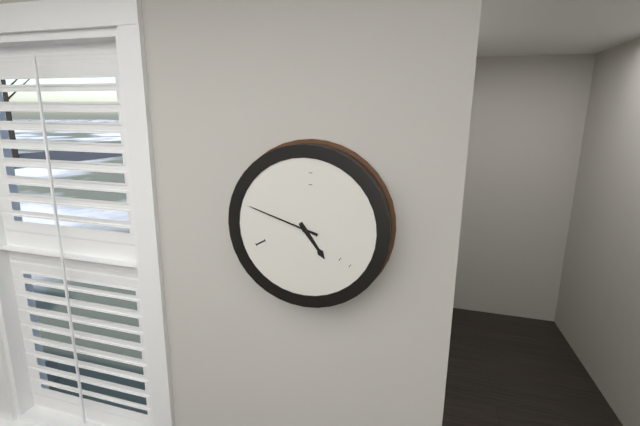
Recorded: h=4 m=48
